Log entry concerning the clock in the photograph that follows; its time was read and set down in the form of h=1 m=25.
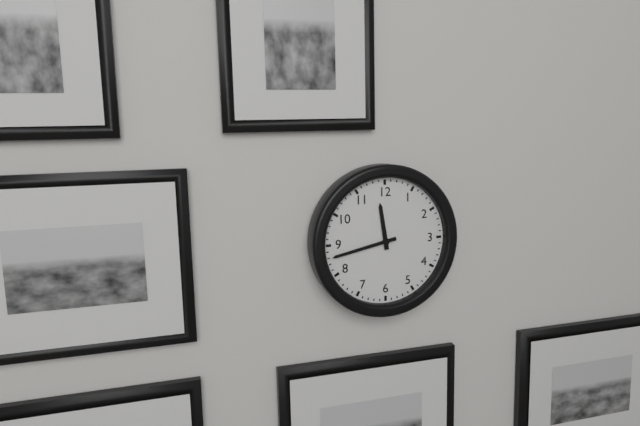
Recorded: h=11 m=43
